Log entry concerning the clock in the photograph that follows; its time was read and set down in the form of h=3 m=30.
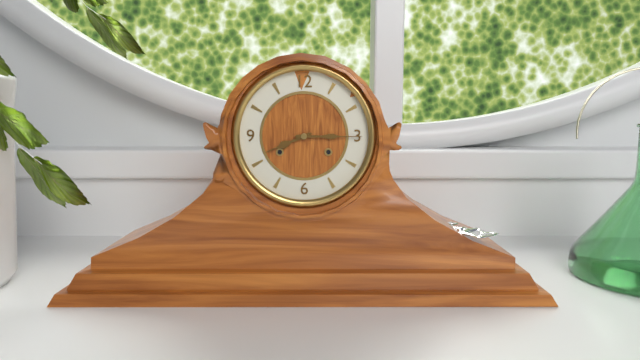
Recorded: h=8 m=15
